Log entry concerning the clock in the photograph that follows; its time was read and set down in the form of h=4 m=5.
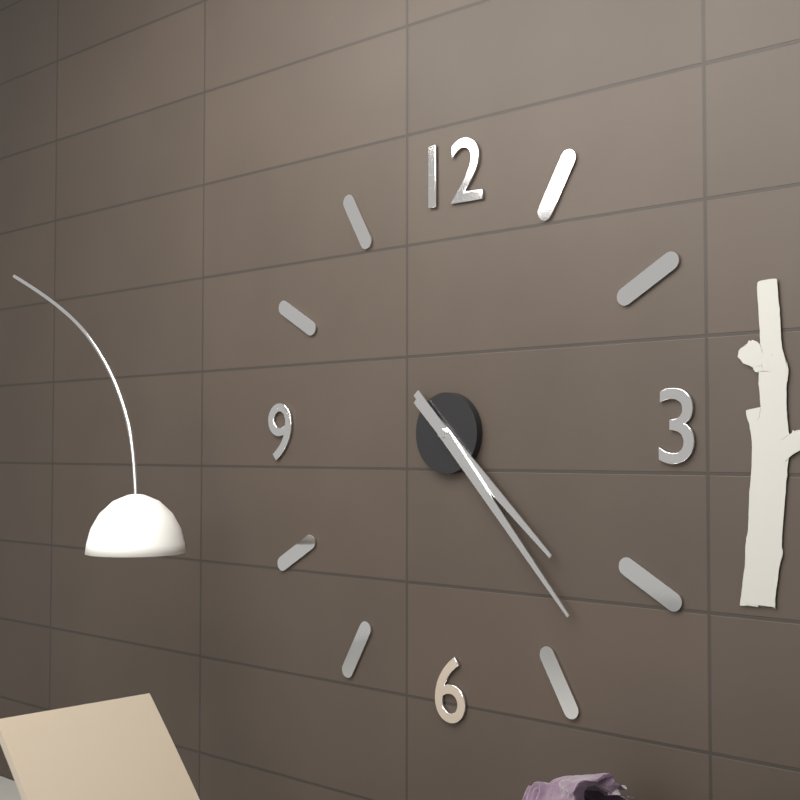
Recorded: h=4 m=23
